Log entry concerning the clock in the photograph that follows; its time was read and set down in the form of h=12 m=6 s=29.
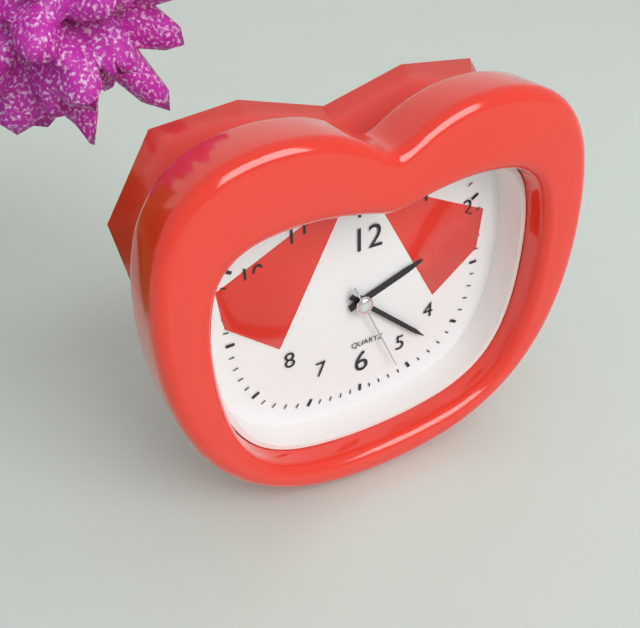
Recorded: h=2 m=22 s=26
